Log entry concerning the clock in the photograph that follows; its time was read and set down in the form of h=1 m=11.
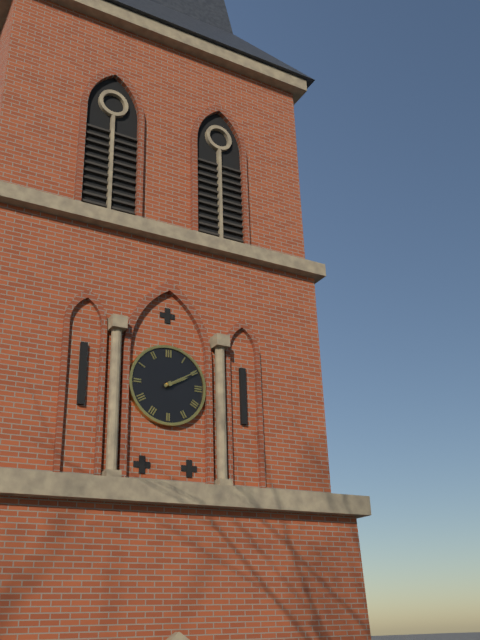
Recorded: h=2 m=10
